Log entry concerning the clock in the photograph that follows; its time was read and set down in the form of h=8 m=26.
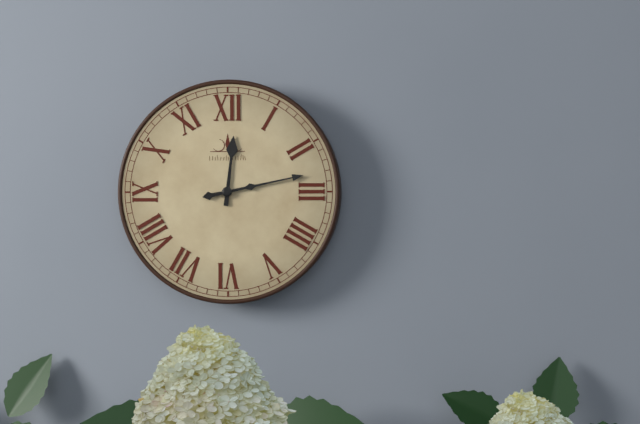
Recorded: h=12 m=13
